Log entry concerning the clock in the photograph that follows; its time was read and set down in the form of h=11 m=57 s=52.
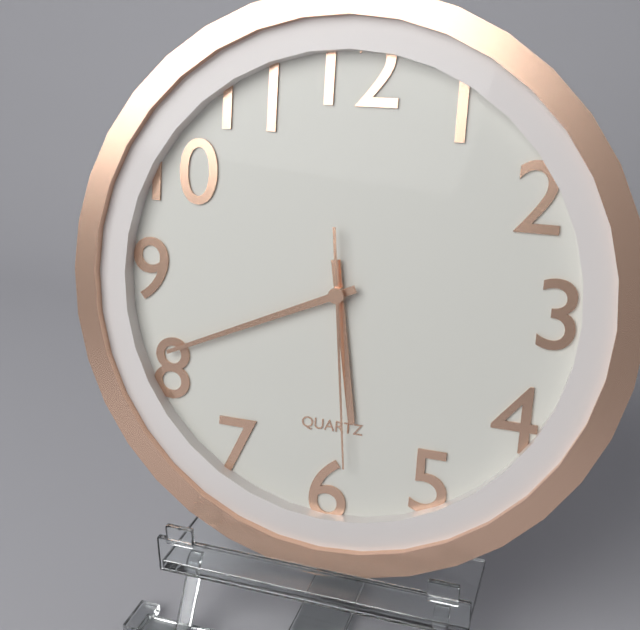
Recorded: h=5 m=41 s=29
